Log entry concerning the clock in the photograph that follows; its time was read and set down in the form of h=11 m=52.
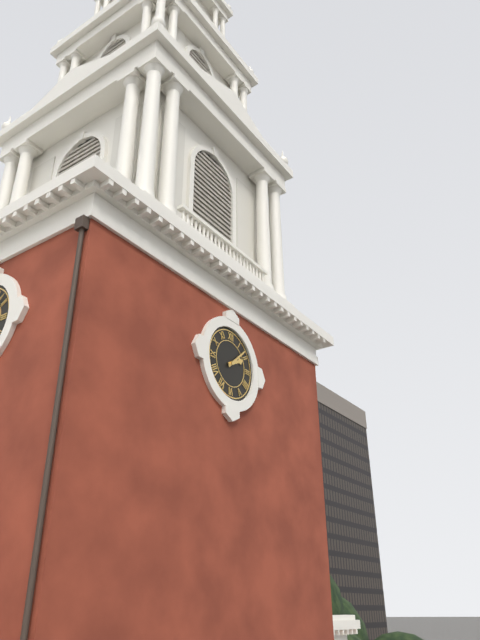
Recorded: h=2 m=8
